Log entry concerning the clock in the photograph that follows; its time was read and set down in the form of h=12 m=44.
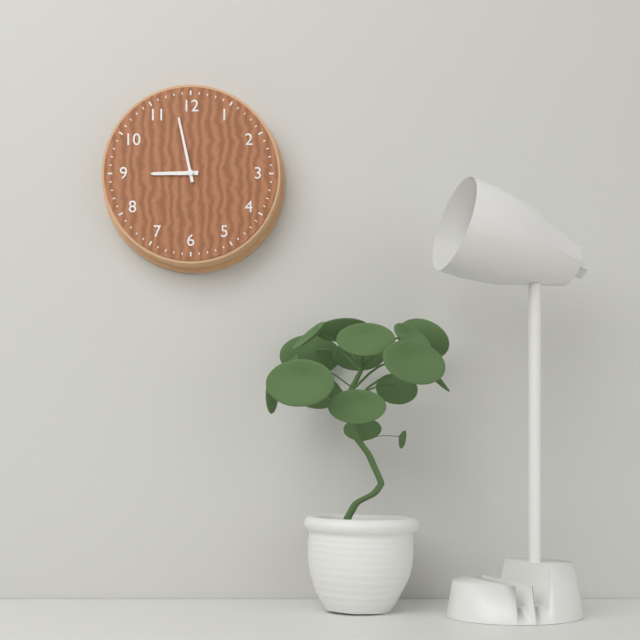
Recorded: h=8 m=58
